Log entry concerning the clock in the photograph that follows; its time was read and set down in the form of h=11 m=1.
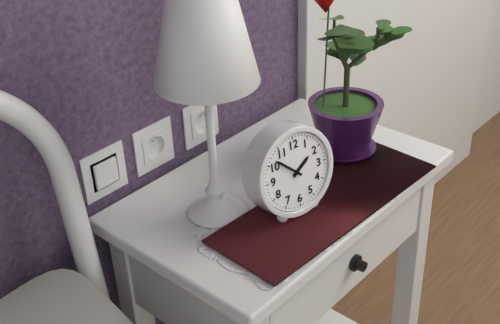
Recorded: h=1 m=52
